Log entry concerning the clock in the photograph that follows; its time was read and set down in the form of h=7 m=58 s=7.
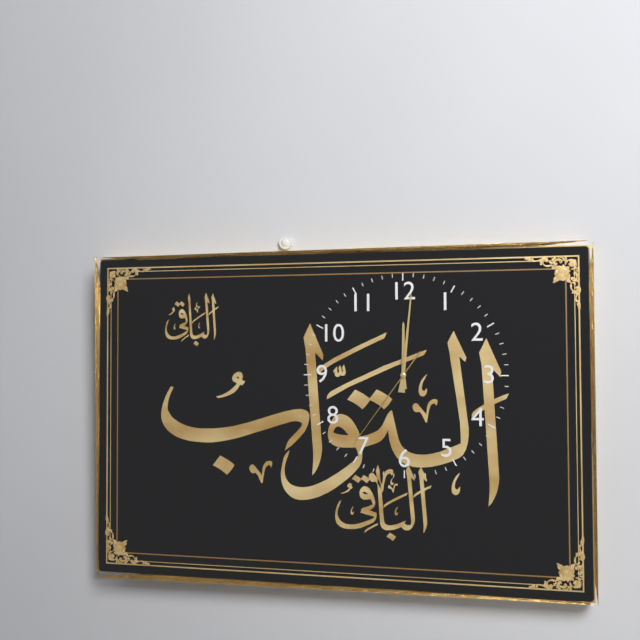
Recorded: h=12 m=1 s=36
